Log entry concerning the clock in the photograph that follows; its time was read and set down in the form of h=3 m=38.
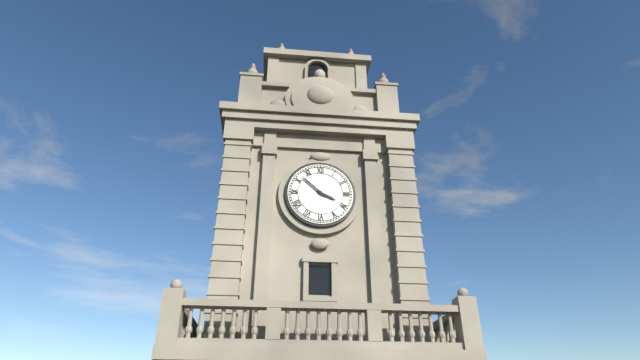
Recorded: h=3 m=52
